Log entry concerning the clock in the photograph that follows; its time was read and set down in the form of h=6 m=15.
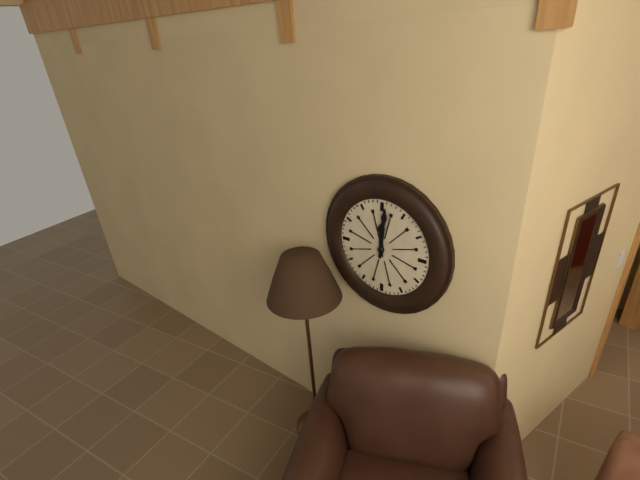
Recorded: h=12 m=1
